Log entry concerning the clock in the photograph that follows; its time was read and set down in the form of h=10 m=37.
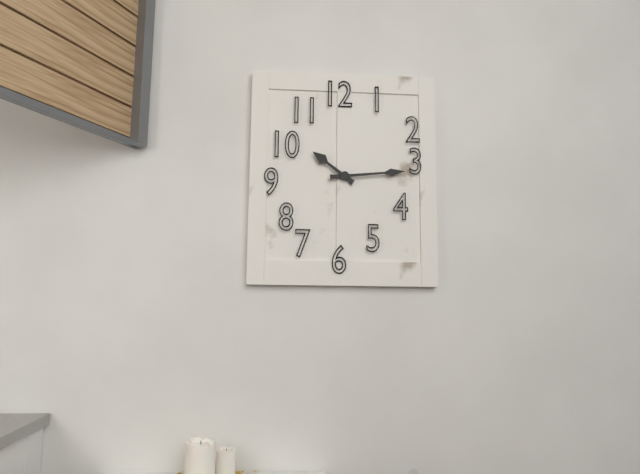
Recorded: h=10 m=14
